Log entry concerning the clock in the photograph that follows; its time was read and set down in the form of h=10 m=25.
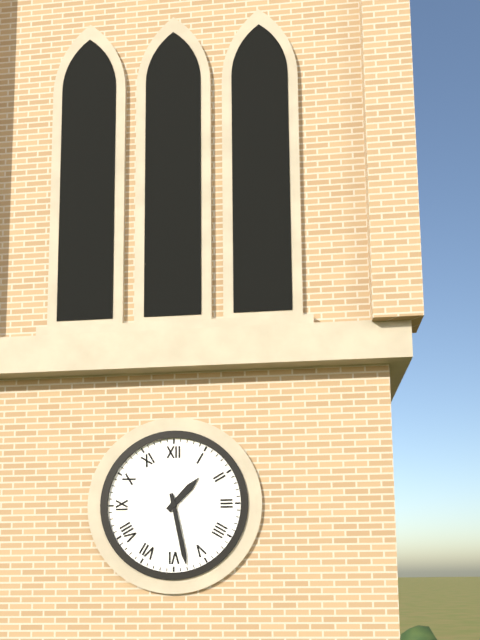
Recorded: h=1 m=28
